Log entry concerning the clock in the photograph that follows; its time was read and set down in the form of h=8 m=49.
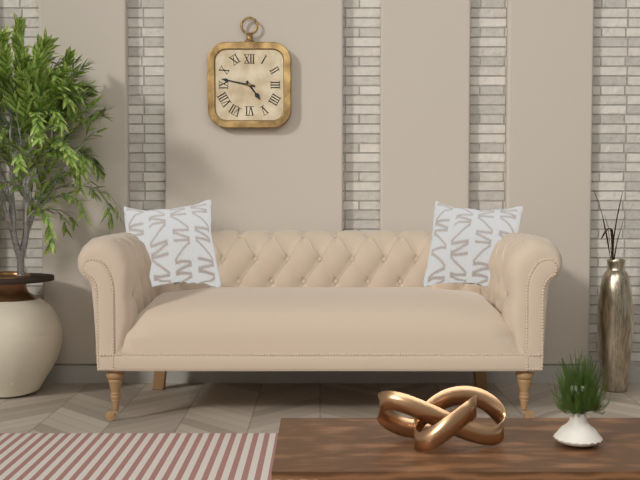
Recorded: h=4 m=47
